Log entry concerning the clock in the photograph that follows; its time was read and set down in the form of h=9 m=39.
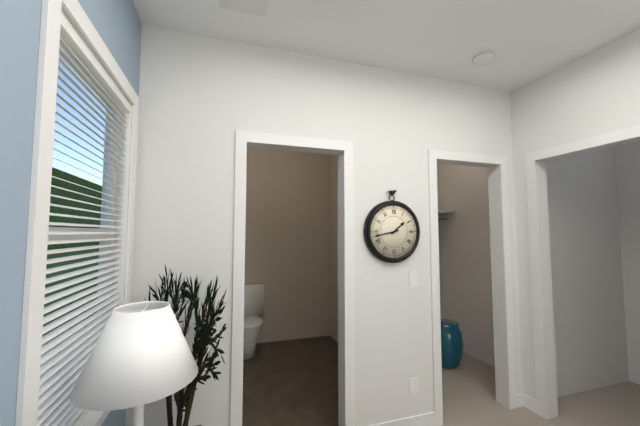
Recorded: h=1 m=43
